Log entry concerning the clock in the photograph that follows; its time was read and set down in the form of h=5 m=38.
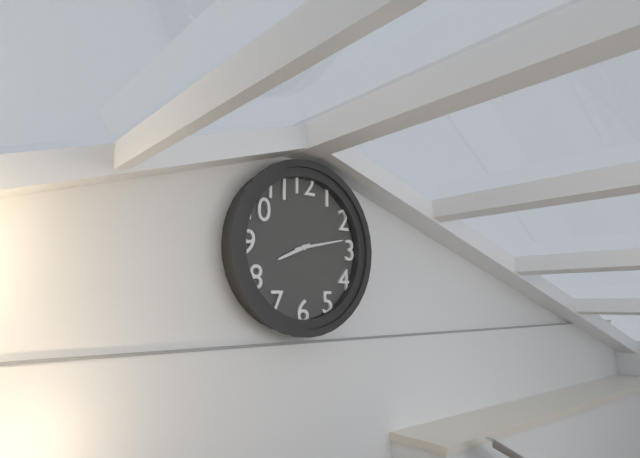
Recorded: h=8 m=13
